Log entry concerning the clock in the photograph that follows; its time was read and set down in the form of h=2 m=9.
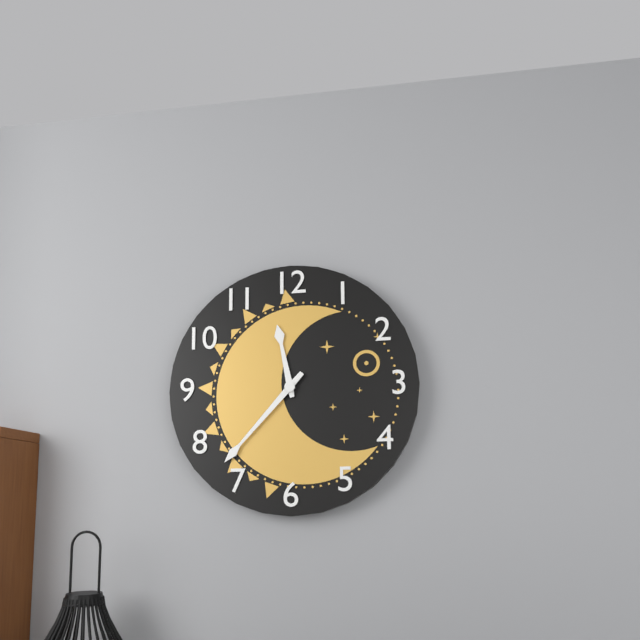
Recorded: h=11 m=37
